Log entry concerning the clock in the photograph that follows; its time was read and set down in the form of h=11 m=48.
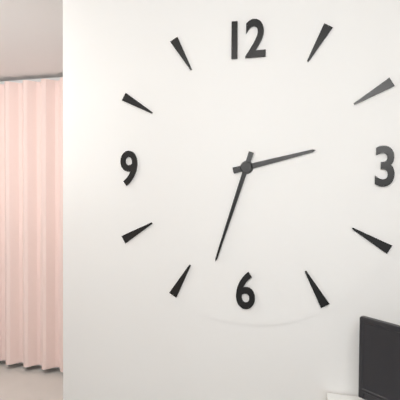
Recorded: h=2 m=33
